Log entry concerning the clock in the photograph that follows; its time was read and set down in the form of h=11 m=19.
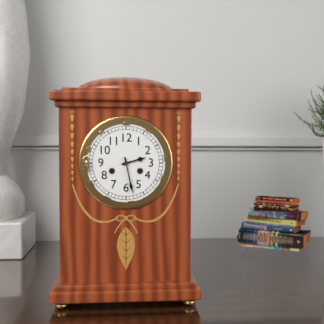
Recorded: h=2 m=28
